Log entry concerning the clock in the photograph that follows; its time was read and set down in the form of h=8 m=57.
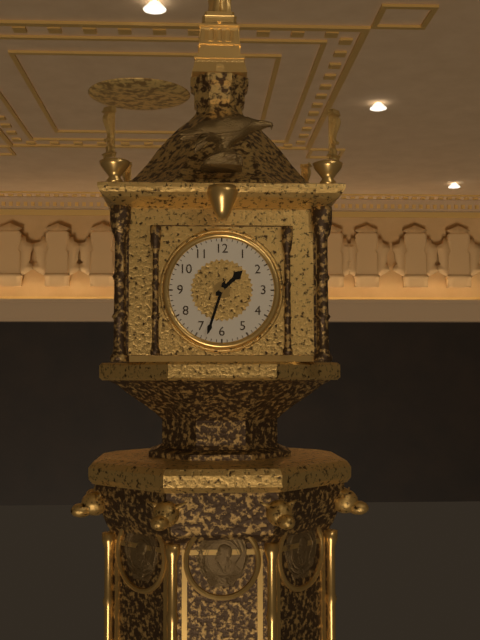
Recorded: h=1 m=33
